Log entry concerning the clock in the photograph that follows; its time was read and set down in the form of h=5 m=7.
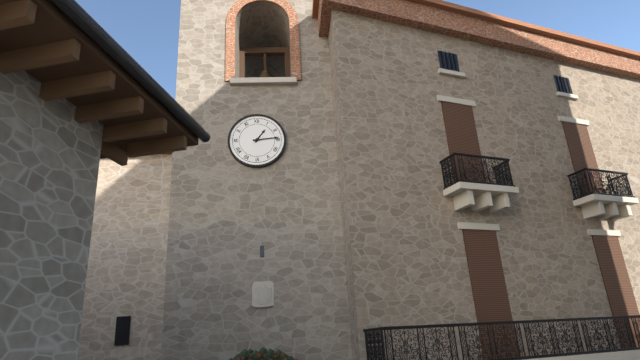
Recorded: h=1 m=14
